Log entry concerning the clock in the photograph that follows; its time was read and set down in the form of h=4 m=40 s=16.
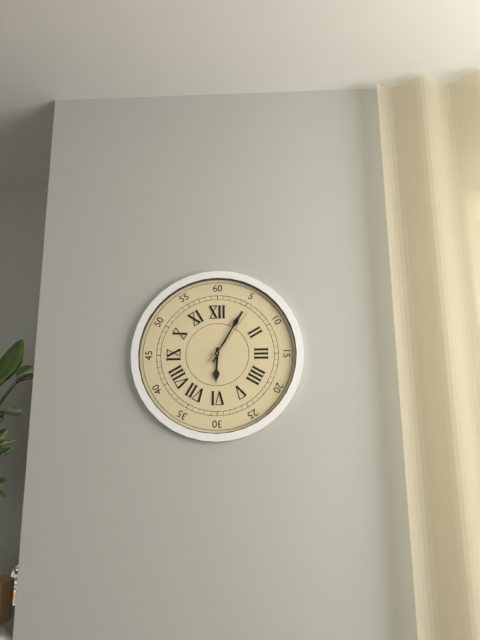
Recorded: h=6 m=5 s=6
